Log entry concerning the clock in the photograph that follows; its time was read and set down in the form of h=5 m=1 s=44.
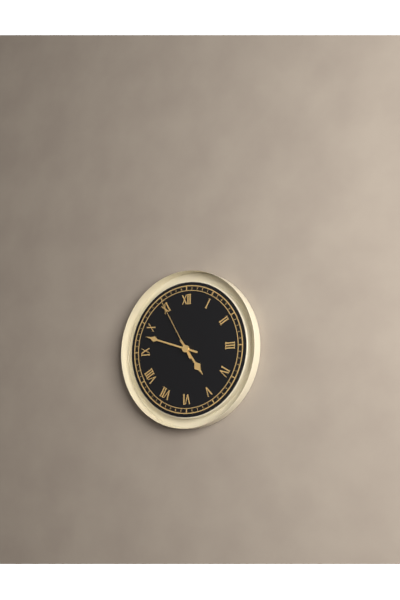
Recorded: h=4 m=48 s=55
